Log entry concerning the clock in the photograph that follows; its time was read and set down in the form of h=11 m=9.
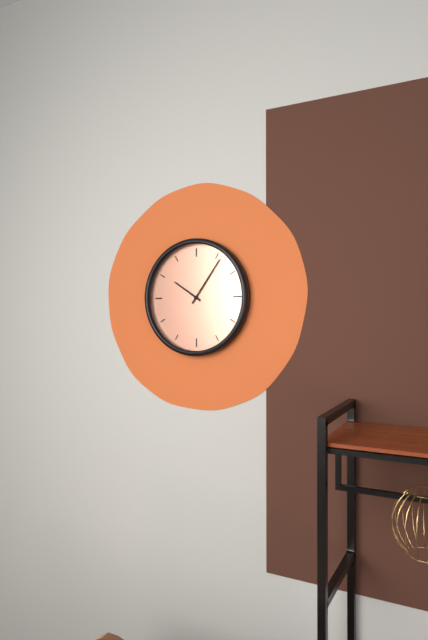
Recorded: h=10 m=6
